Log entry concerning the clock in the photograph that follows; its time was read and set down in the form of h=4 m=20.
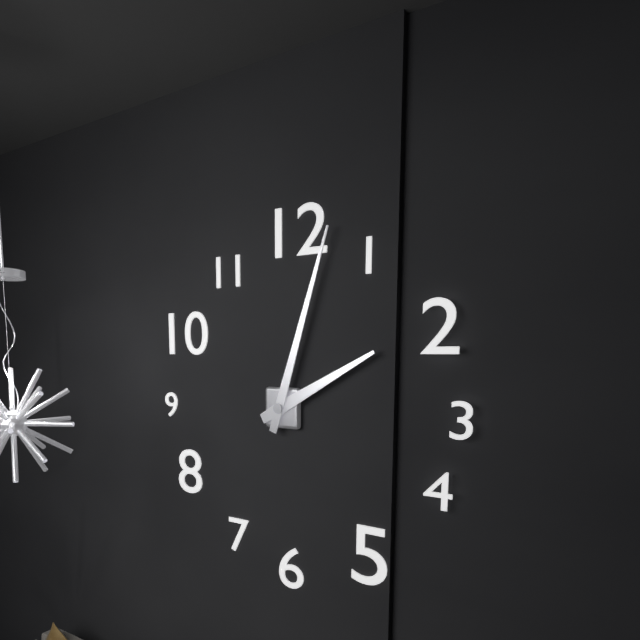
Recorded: h=2 m=3
